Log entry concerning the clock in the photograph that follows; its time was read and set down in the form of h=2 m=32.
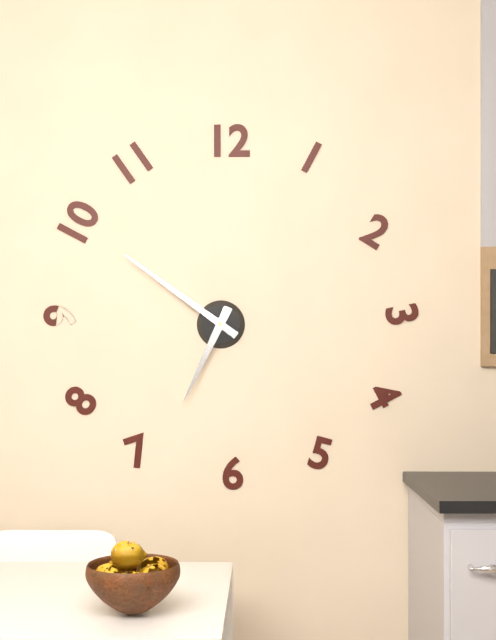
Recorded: h=6 m=51
